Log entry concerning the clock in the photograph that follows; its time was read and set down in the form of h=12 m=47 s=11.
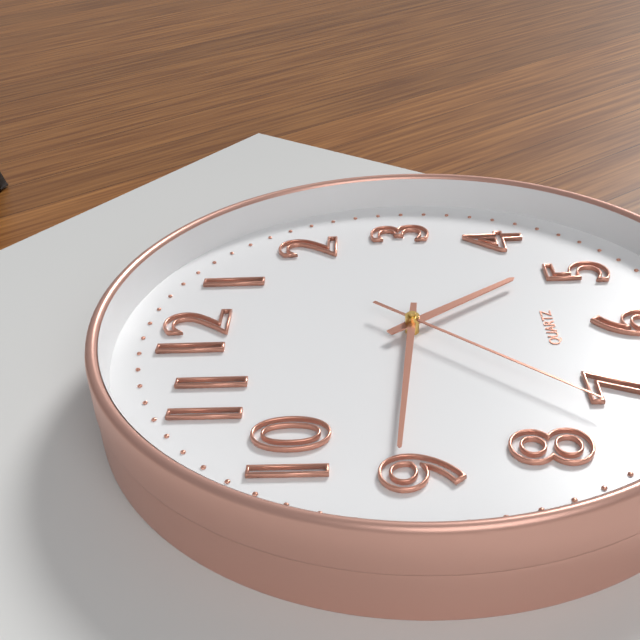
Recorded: h=4 m=46 s=37
